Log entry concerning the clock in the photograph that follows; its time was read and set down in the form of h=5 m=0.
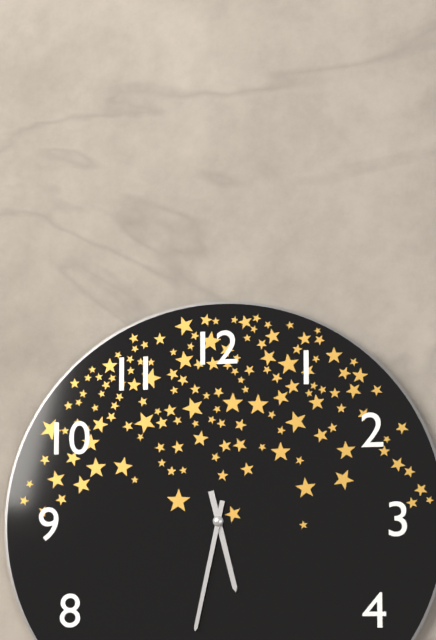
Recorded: h=5 m=32
